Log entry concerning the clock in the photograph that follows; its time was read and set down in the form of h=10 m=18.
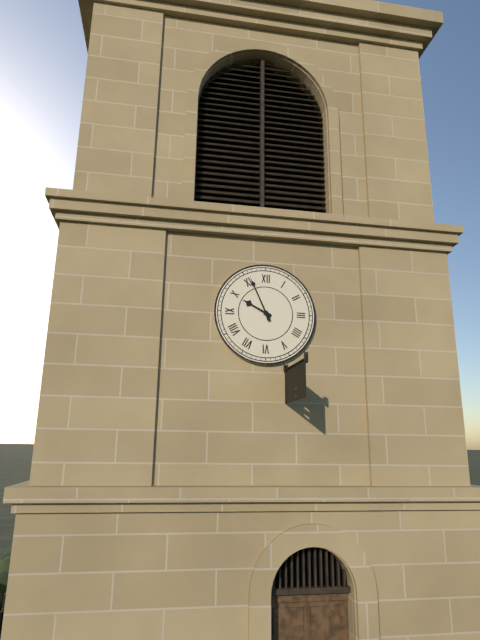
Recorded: h=9 m=56
